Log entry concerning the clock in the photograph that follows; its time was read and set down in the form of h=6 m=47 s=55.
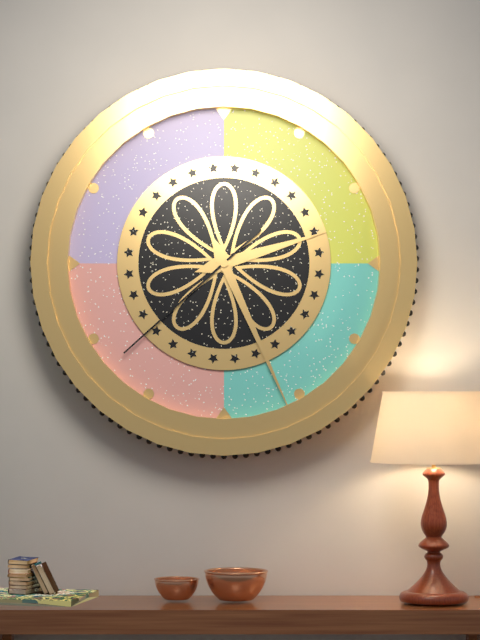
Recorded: h=2 m=26 s=38
